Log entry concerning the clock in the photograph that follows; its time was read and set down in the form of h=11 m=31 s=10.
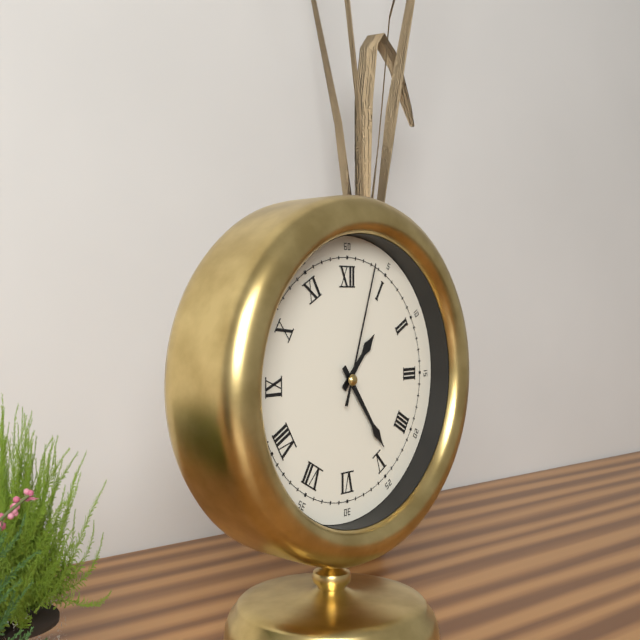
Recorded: h=1 m=24 s=3
